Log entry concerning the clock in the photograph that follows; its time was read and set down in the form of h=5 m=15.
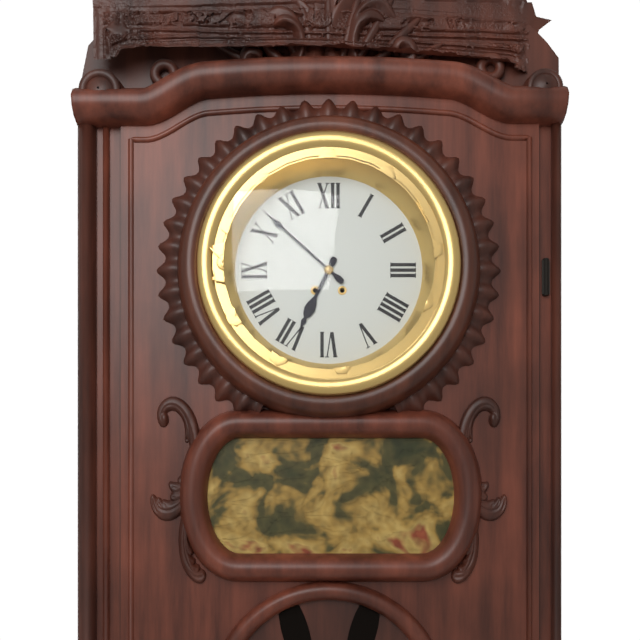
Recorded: h=6 m=52
